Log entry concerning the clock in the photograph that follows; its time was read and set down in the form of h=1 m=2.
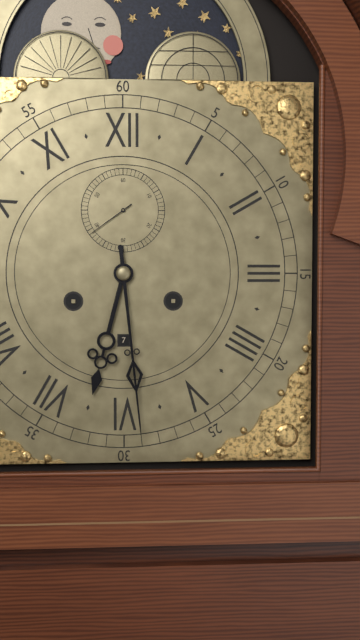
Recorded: h=6 m=29
